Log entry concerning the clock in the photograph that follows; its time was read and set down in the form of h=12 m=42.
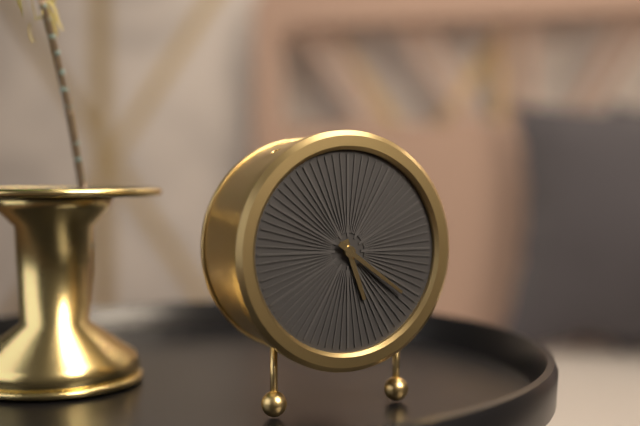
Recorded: h=5 m=21
